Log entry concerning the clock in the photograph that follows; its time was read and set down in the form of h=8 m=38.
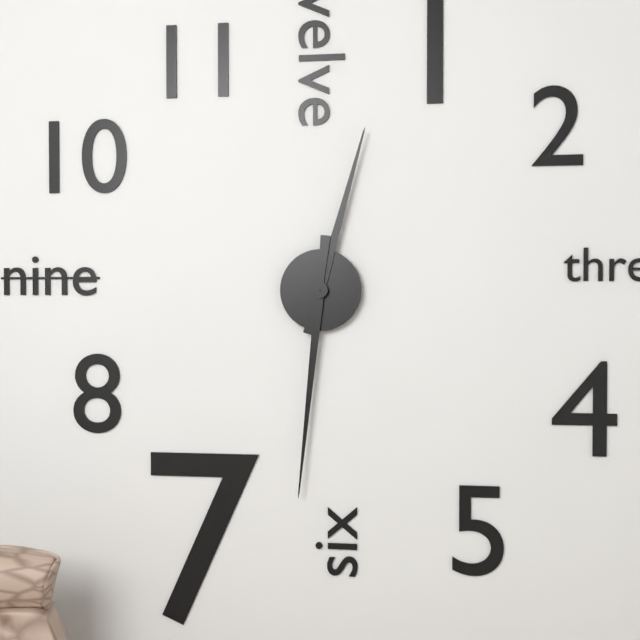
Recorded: h=12 m=31
